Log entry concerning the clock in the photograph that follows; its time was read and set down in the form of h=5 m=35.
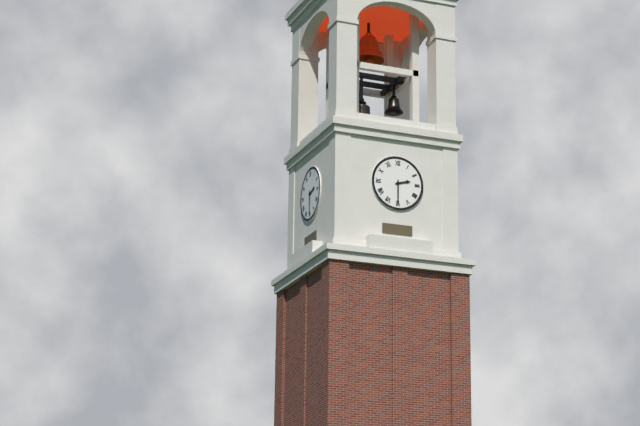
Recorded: h=2 m=30
